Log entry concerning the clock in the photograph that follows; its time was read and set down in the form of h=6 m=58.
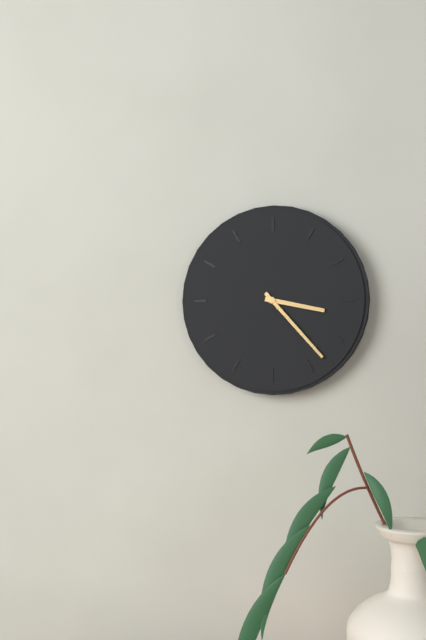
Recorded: h=3 m=23
